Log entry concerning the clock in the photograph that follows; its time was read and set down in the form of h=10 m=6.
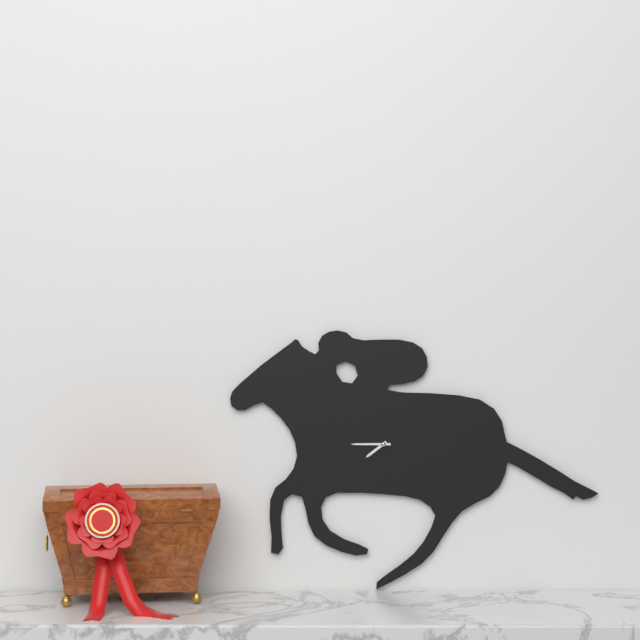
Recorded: h=7 m=45
